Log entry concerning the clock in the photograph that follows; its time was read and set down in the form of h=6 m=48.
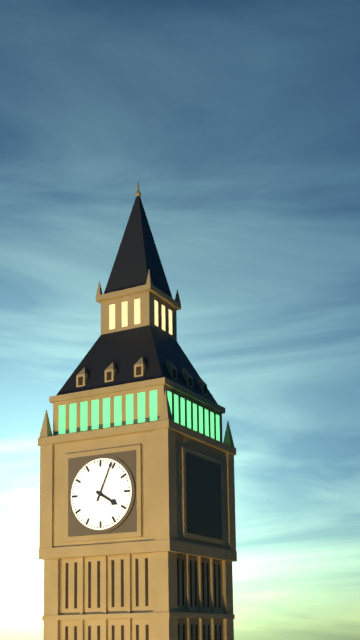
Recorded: h=4 m=4
